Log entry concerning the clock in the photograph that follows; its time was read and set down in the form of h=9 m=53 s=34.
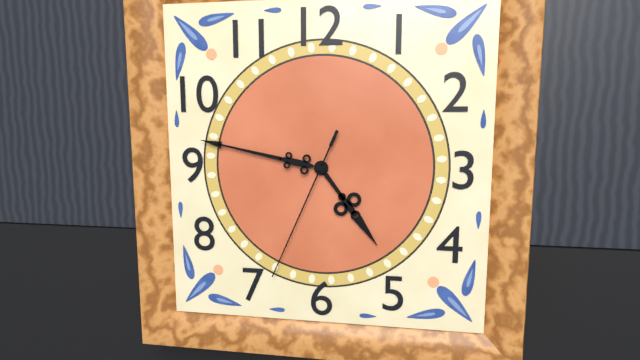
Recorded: h=4 m=47 s=34
